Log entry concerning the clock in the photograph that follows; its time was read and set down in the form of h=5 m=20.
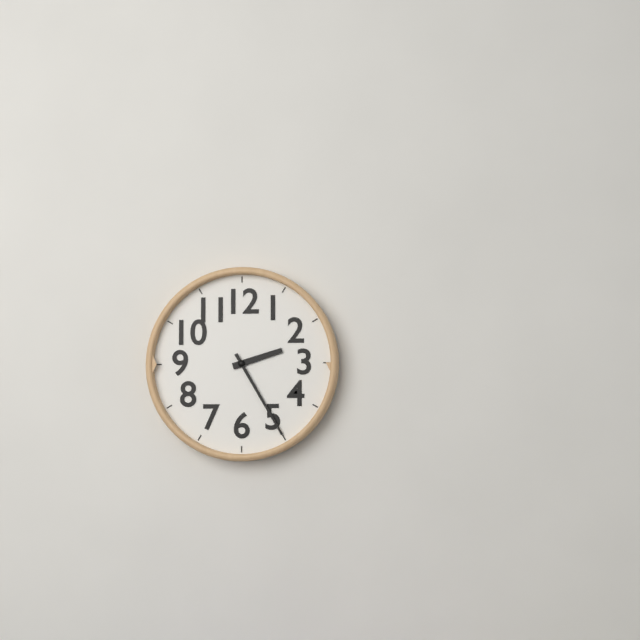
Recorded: h=2 m=25
